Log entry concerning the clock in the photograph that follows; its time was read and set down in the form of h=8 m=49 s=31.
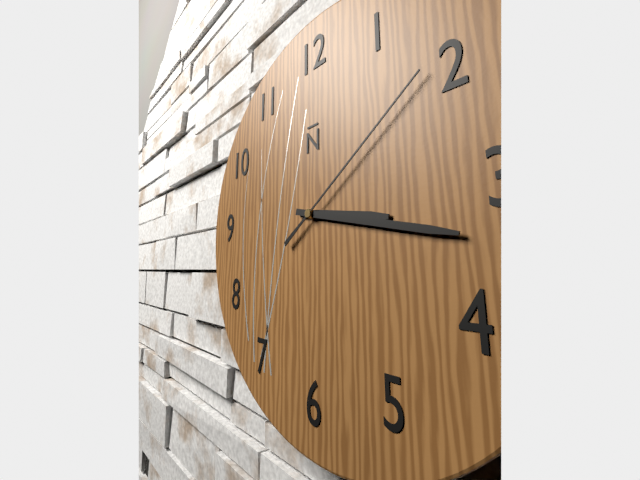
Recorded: h=3 m=17 s=9
